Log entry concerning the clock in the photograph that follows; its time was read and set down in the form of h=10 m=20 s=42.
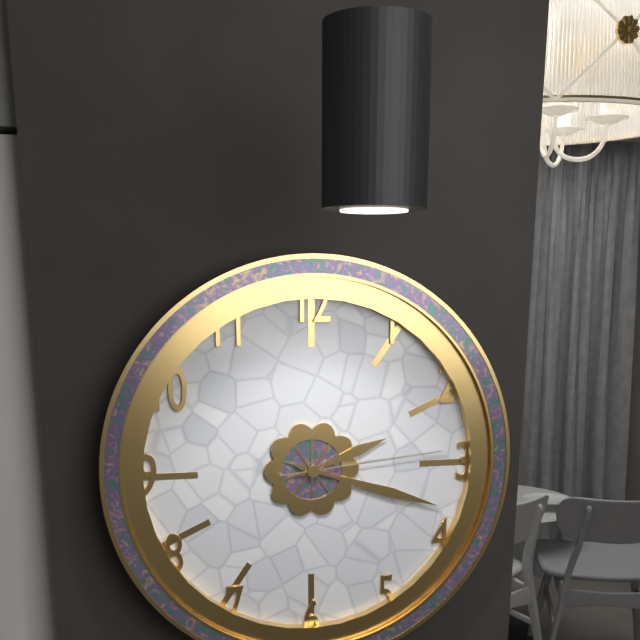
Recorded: h=2 m=18 s=14
